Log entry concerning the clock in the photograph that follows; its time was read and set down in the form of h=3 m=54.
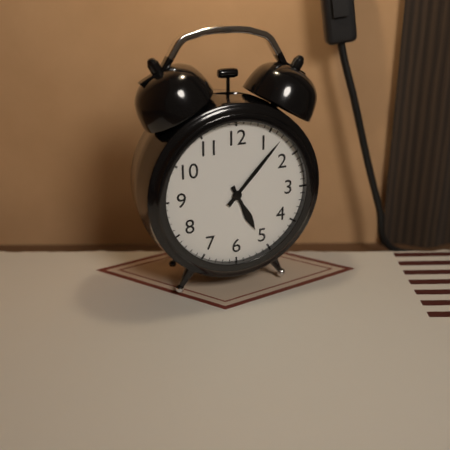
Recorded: h=5 m=7
